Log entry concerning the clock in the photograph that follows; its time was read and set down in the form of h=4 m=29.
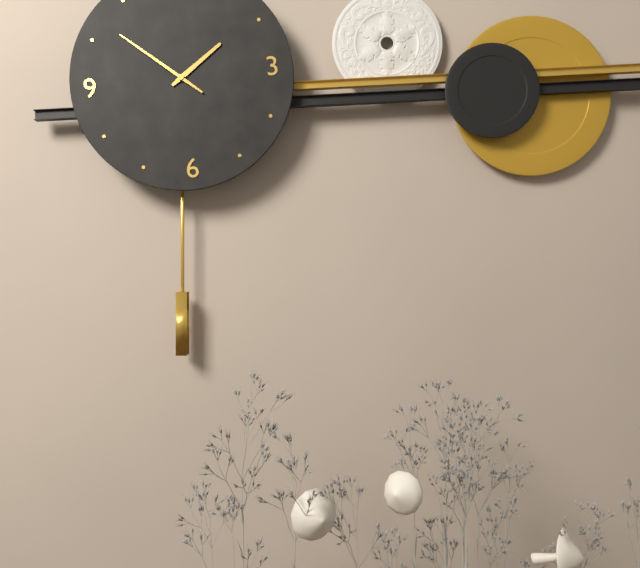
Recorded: h=1 m=52
